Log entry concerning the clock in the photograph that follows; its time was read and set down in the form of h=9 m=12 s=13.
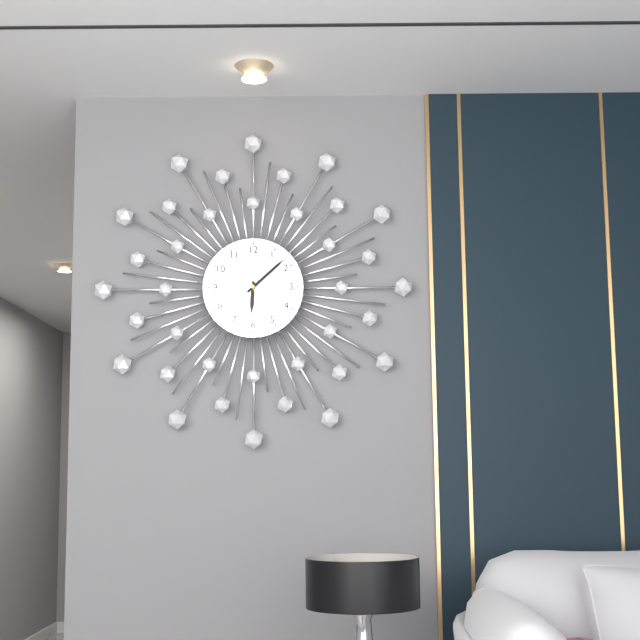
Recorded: h=6 m=8 s=27
